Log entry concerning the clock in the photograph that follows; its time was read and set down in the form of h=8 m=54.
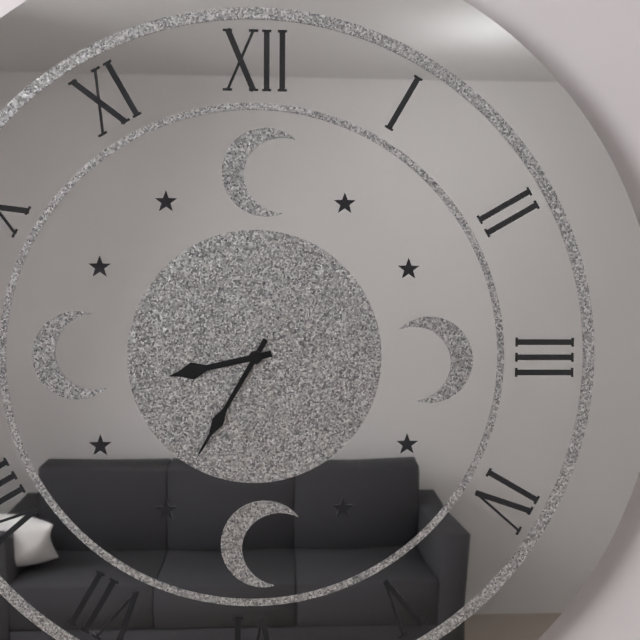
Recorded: h=8 m=35
